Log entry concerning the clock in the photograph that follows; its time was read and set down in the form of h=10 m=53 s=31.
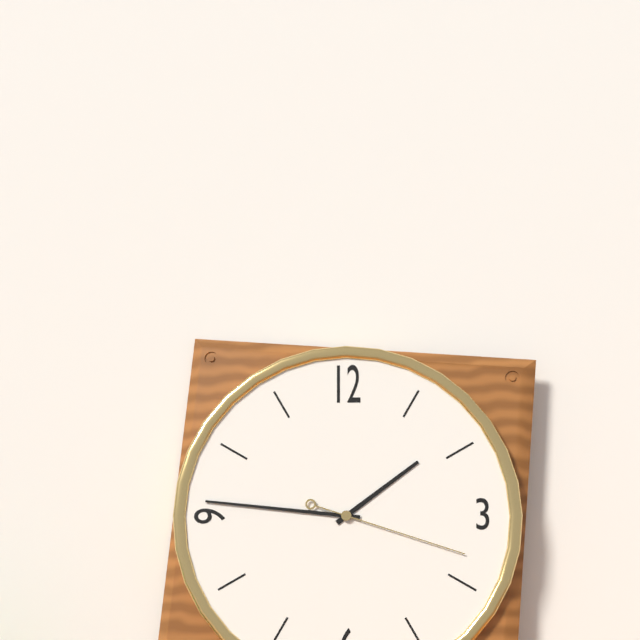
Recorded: h=1 m=46 s=18
